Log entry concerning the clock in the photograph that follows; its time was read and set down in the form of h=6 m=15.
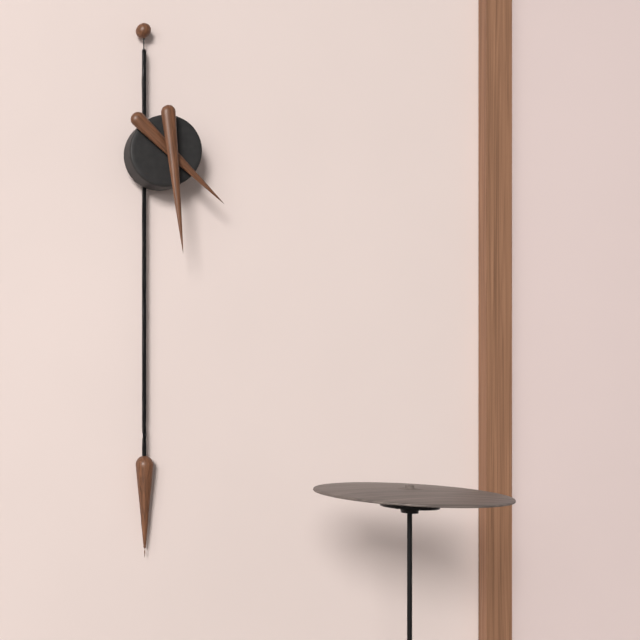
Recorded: h=4 m=29
